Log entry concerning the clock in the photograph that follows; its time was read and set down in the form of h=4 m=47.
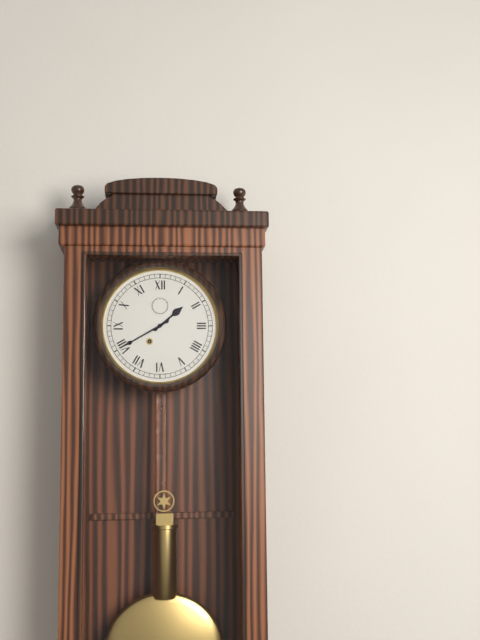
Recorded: h=1 m=40
